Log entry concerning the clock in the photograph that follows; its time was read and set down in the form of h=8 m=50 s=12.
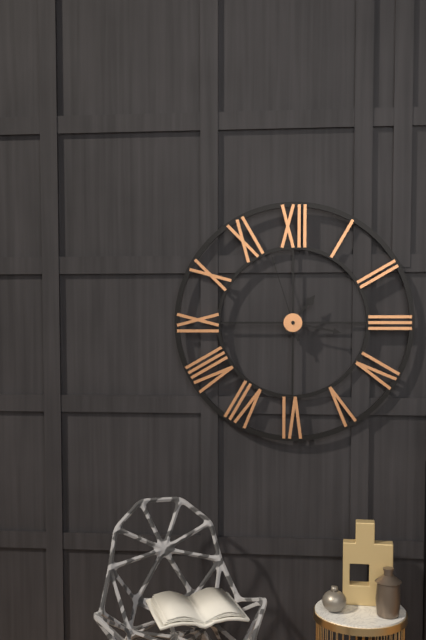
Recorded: h=1 m=17 s=57
